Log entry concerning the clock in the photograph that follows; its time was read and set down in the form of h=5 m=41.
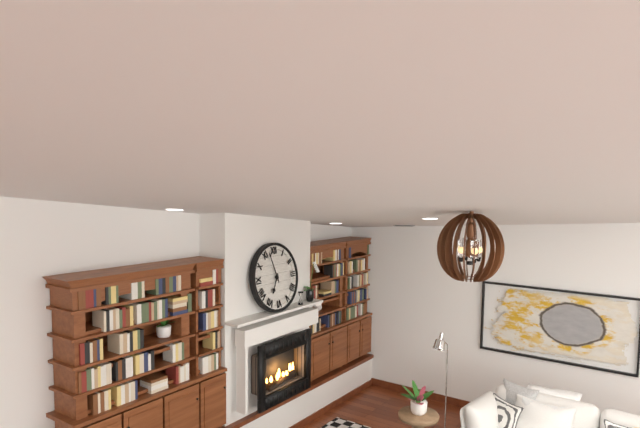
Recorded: h=6 m=57
